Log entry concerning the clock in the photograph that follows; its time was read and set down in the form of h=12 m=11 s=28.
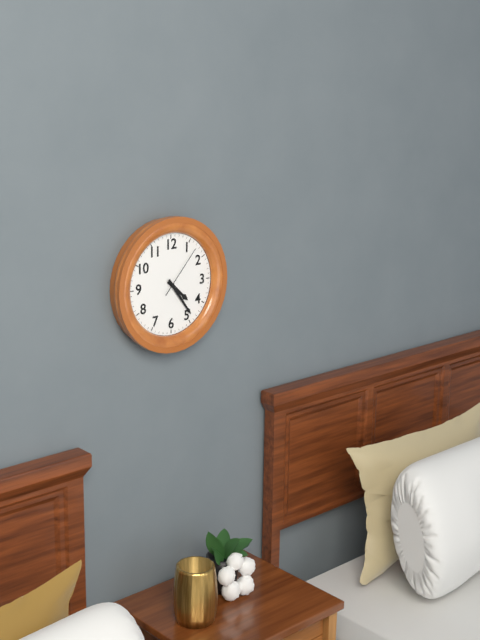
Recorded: h=4 m=24 s=7
